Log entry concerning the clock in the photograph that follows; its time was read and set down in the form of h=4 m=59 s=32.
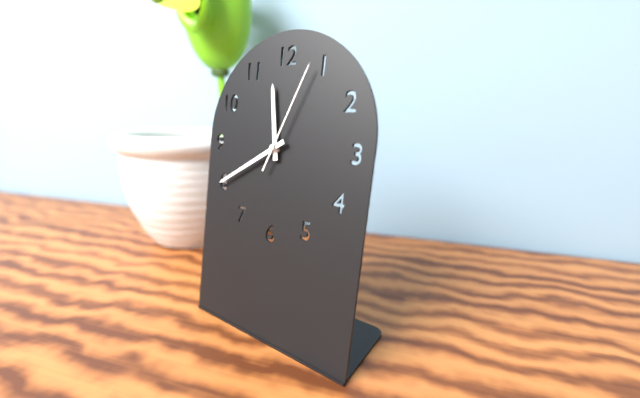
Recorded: h=11 m=40 s=4
